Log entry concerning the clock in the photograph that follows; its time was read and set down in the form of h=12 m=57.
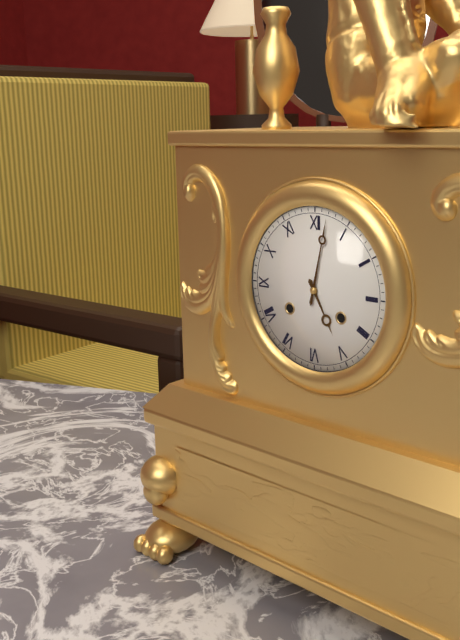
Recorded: h=5 m=2
